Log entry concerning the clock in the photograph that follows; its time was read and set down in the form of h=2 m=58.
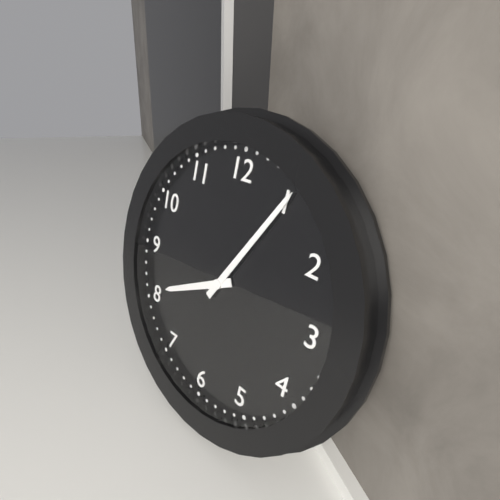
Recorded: h=8 m=5
